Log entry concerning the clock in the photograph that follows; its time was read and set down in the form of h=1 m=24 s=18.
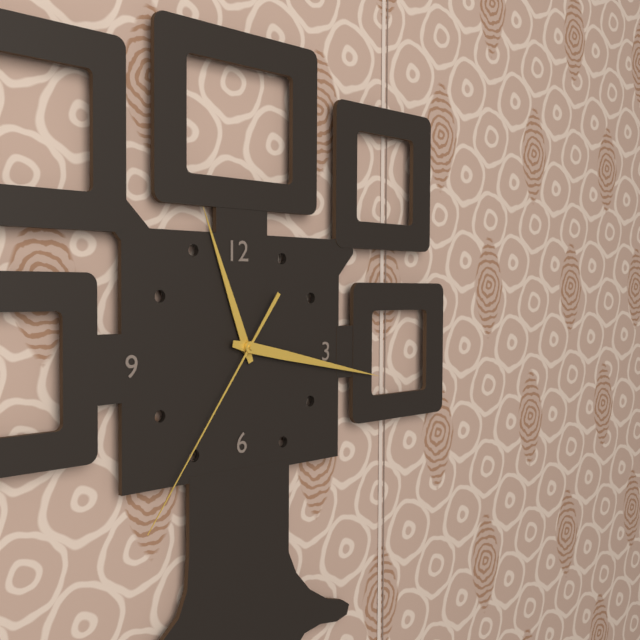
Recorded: h=11 m=17 s=36
